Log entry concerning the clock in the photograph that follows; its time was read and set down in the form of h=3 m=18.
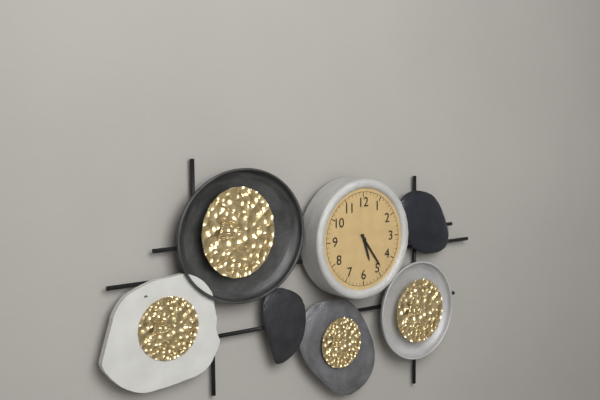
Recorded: h=5 m=24
